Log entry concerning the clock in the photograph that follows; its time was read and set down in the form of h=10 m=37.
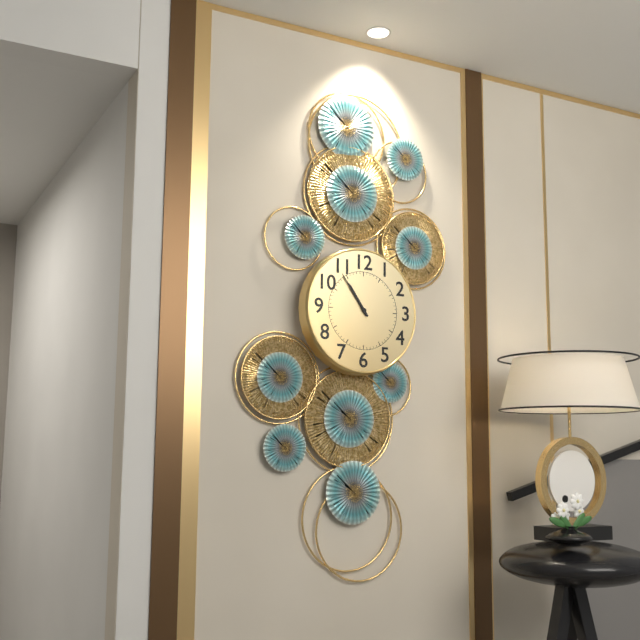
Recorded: h=10 m=54
